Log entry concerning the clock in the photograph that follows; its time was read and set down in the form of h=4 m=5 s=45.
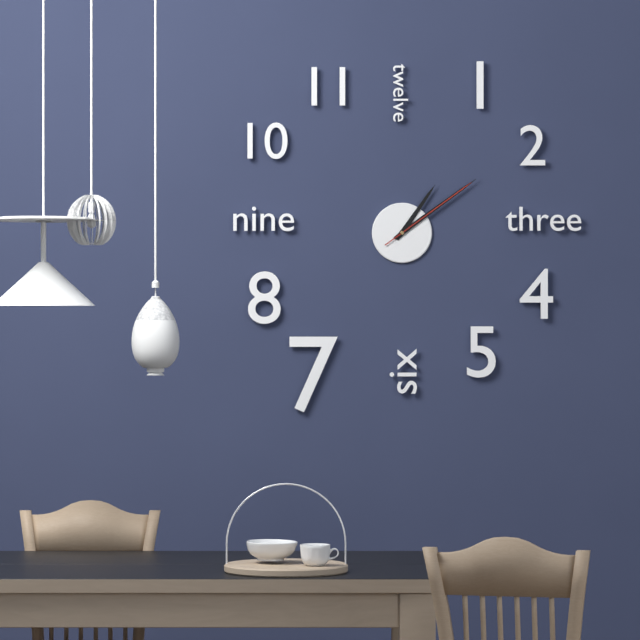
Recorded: h=1 m=9 s=9
